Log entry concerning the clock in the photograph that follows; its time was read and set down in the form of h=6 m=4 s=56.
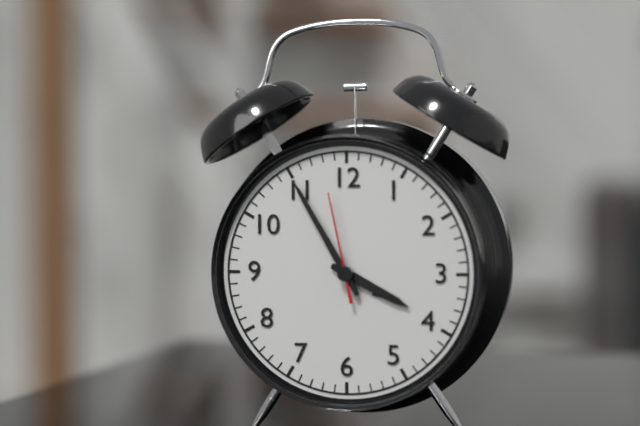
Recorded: h=3 m=55 s=58
